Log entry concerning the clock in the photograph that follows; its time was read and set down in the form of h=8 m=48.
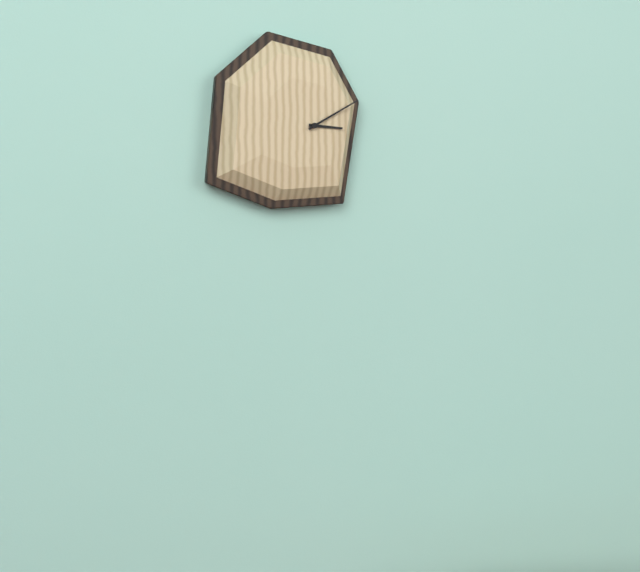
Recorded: h=3 m=10
